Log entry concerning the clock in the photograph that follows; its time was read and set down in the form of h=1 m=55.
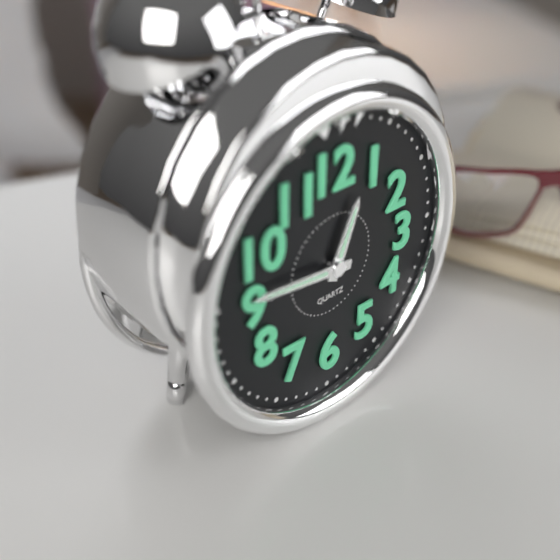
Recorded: h=12 m=46
